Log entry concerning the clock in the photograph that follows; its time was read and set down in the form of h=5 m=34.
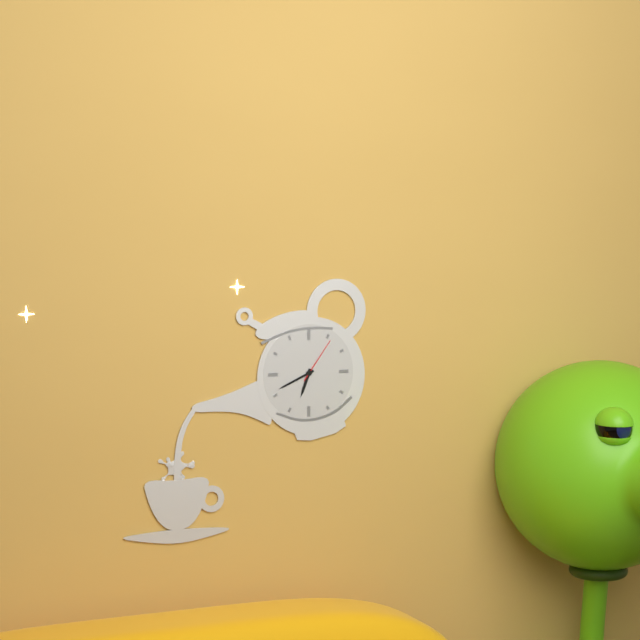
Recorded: h=6 m=41
